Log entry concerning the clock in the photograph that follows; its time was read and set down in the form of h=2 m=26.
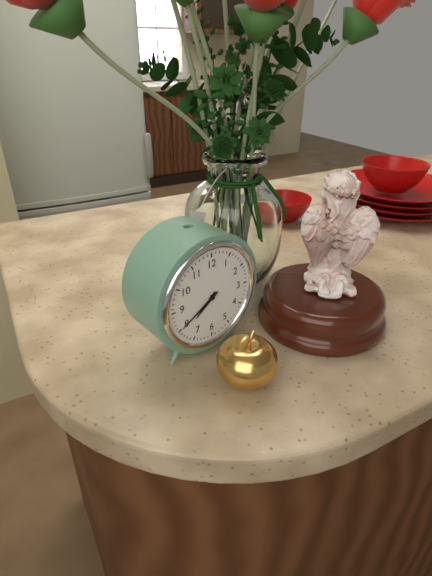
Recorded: h=7 m=40
